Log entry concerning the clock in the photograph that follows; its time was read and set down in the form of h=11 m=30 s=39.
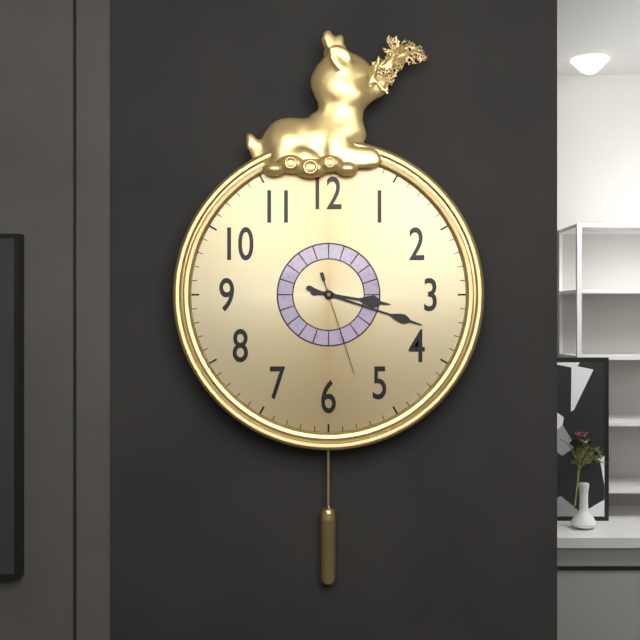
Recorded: h=3 m=18 s=27
